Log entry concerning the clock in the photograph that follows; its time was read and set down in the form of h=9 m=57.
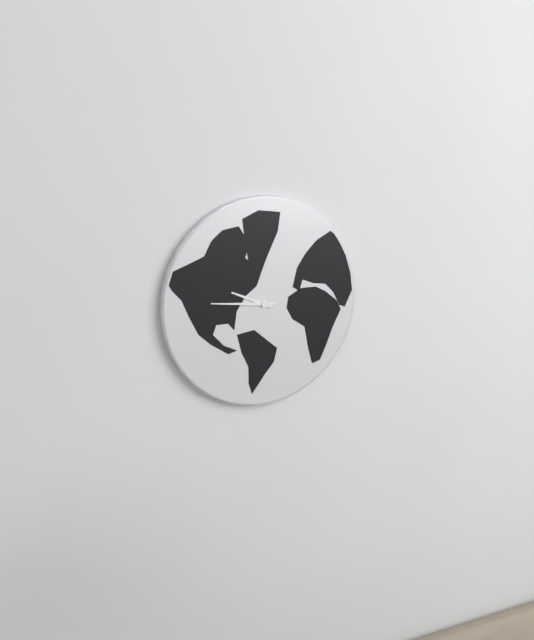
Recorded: h=9 m=46
